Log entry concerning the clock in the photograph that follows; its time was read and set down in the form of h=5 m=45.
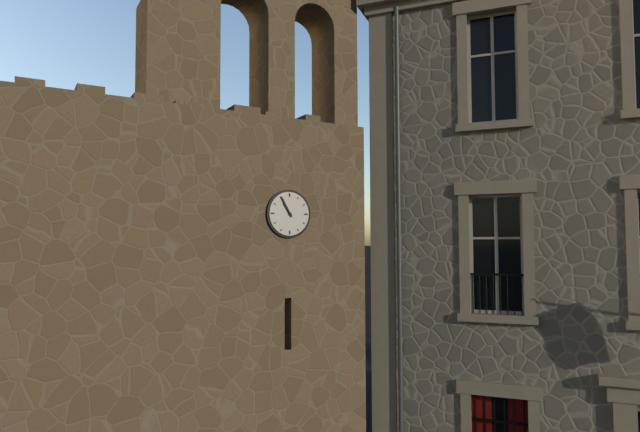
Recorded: h=10 m=55
